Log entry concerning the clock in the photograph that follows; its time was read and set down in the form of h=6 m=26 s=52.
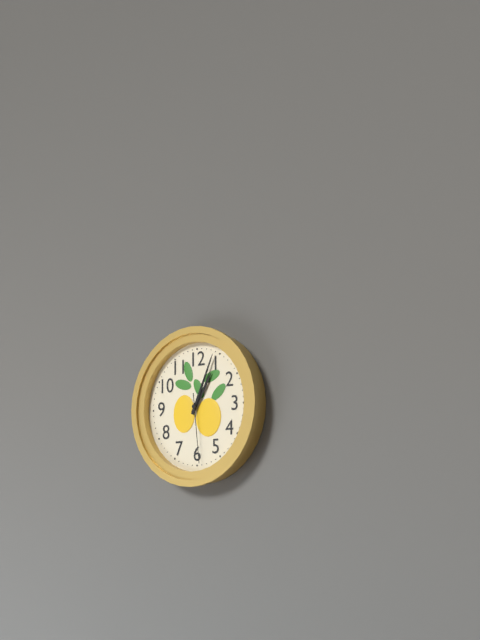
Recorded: h=1 m=4 s=29
